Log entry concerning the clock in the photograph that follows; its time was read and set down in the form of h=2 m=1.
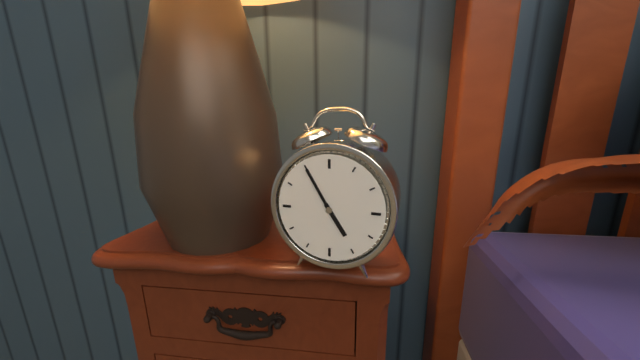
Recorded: h=4 m=55
